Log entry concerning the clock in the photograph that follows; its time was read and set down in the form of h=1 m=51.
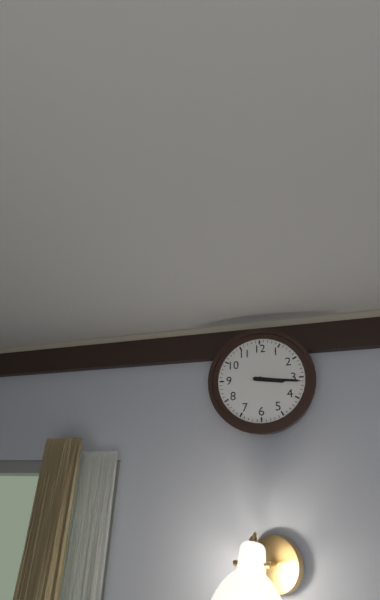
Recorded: h=3 m=16
